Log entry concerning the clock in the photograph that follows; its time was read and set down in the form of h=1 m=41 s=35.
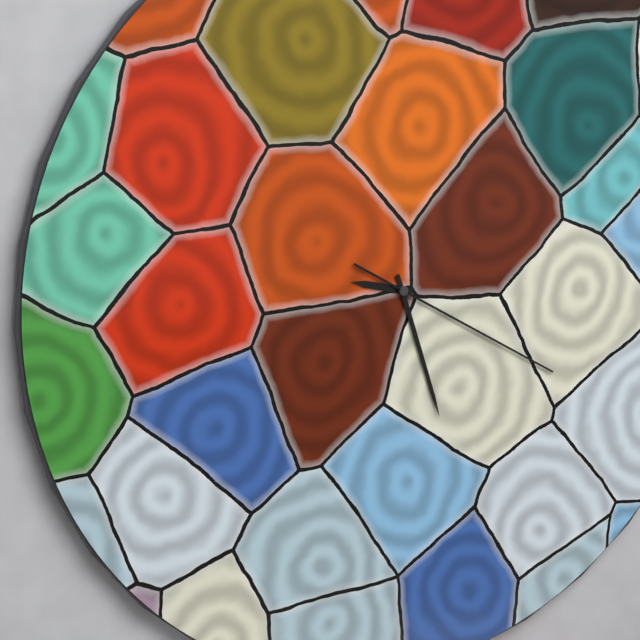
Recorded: h=9 m=27 s=20
